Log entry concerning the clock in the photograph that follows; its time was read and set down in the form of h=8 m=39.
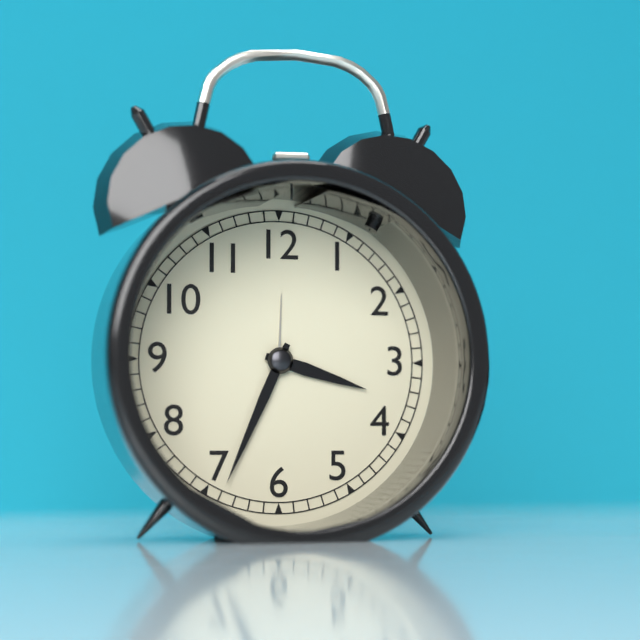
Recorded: h=3 m=34
